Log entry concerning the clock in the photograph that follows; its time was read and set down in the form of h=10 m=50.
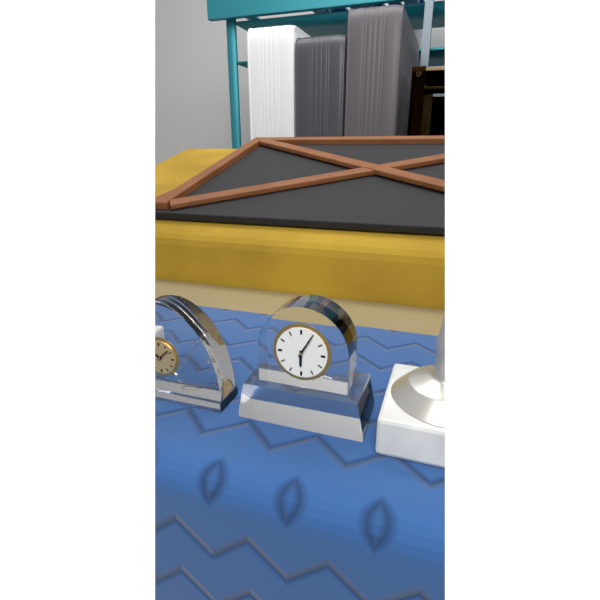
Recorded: h=6 m=5
